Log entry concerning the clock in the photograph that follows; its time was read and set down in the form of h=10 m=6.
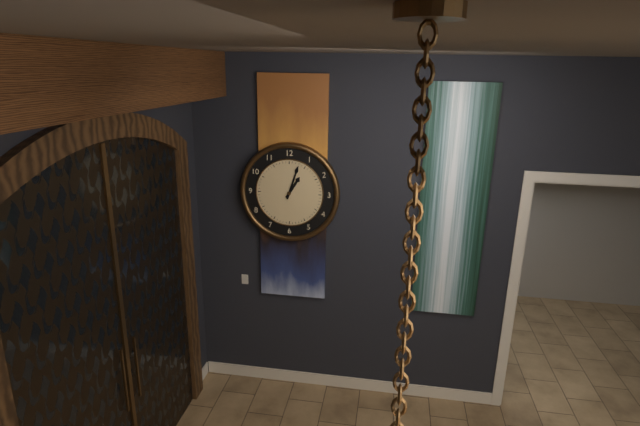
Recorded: h=1 m=3
